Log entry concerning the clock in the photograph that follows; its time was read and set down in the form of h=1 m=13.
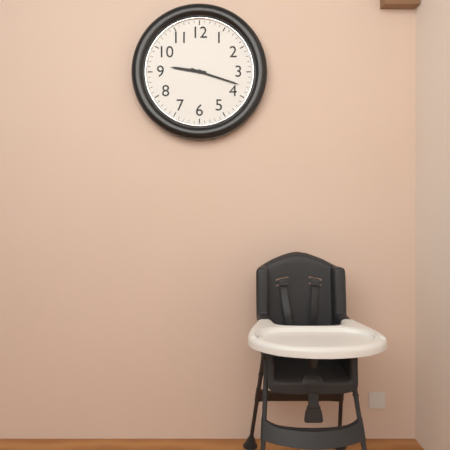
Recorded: h=9 m=18
